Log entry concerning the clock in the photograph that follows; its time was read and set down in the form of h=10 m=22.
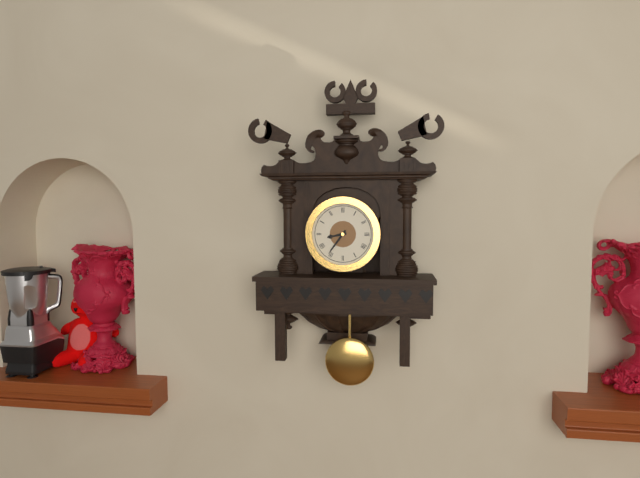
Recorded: h=8 m=36
